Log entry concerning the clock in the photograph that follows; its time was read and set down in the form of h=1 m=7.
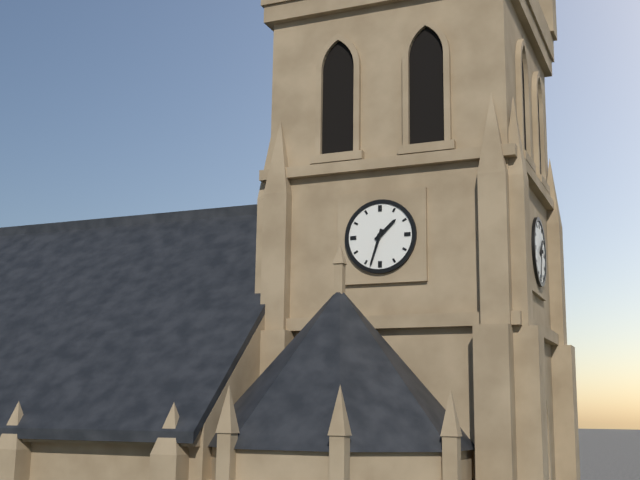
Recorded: h=1 m=33
